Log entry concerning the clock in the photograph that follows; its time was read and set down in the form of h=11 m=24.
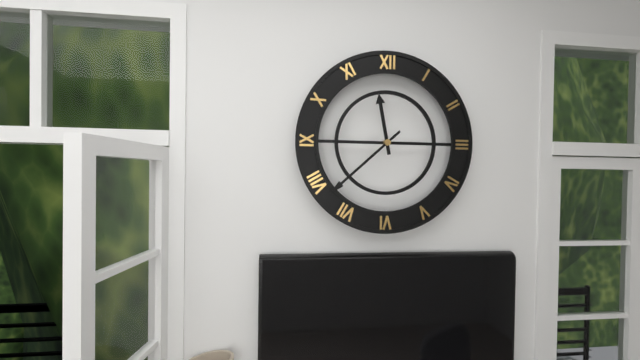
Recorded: h=11 m=38
